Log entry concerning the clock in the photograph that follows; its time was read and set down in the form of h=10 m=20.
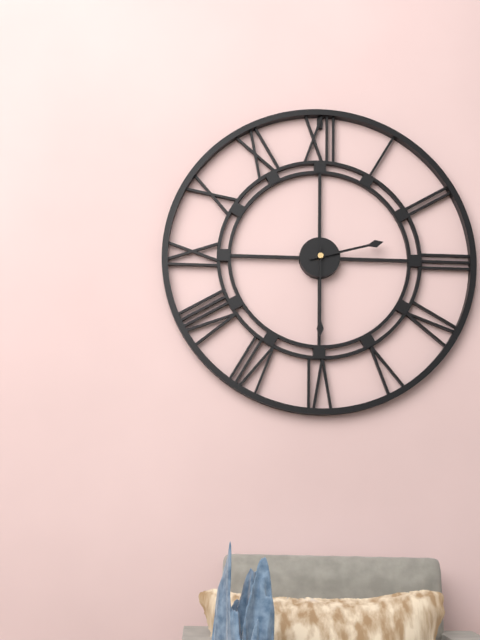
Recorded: h=2 m=30
